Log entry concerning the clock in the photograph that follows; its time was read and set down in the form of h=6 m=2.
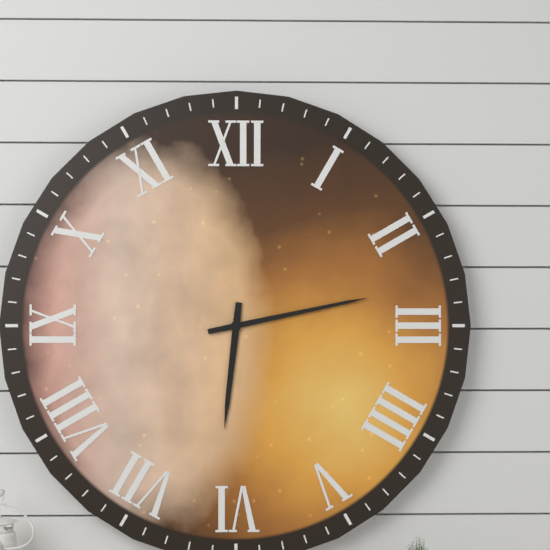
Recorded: h=6 m=13
